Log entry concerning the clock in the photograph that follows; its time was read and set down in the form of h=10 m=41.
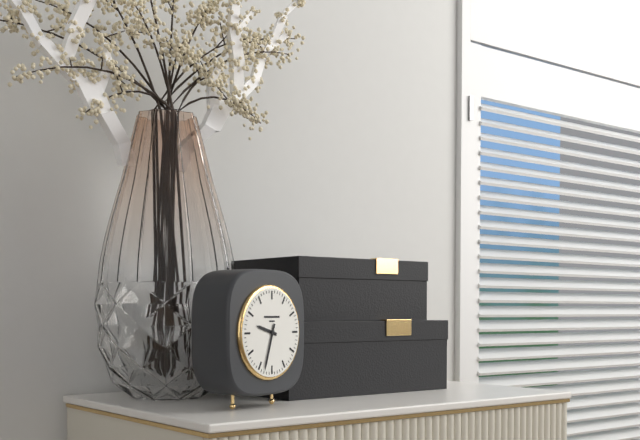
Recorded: h=9 m=33
